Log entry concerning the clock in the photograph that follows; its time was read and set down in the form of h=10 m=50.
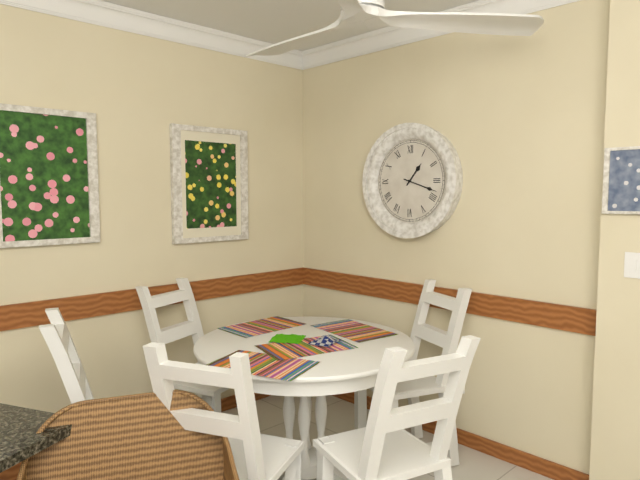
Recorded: h=1 m=18
